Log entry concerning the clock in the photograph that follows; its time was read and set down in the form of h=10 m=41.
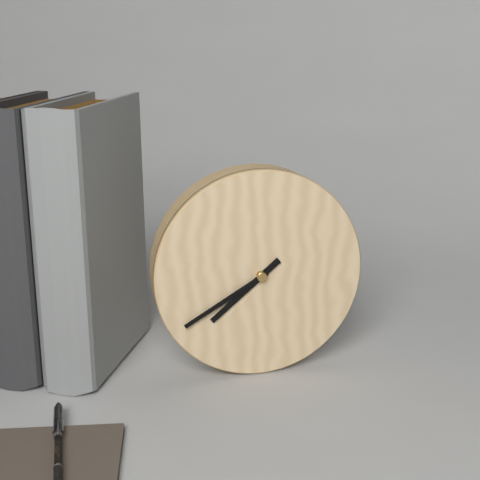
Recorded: h=7 m=40
